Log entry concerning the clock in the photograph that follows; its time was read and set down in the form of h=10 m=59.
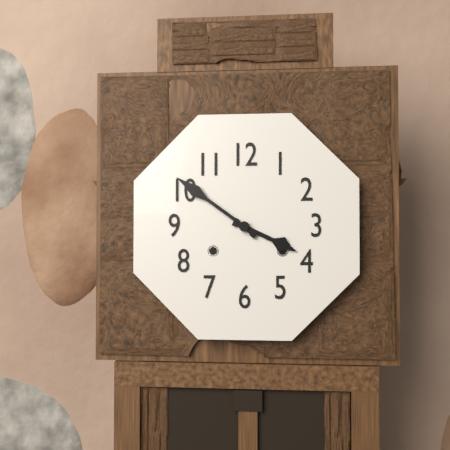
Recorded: h=3 m=51
